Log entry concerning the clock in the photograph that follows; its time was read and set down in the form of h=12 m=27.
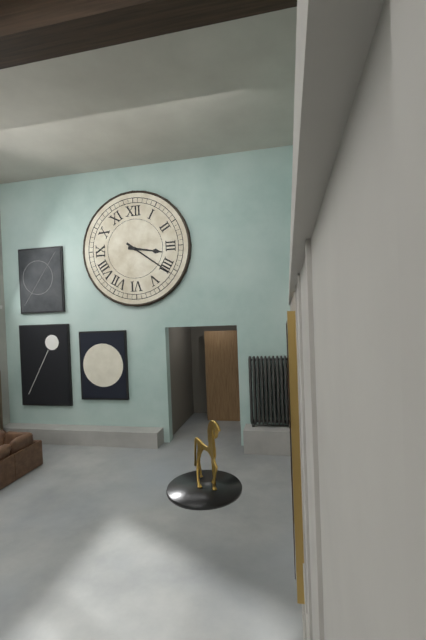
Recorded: h=3 m=21
